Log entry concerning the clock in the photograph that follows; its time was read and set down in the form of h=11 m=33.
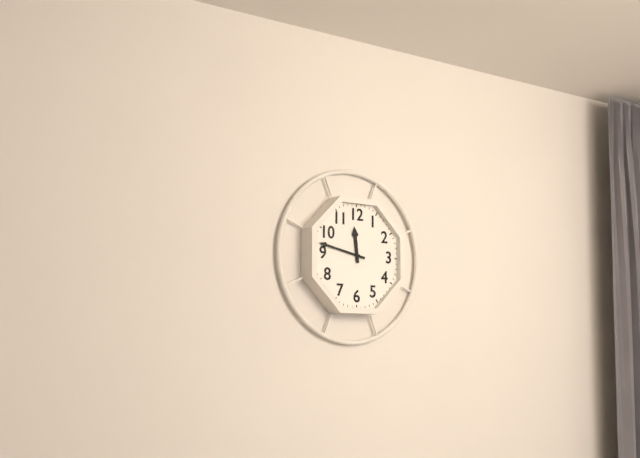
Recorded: h=11 m=47
